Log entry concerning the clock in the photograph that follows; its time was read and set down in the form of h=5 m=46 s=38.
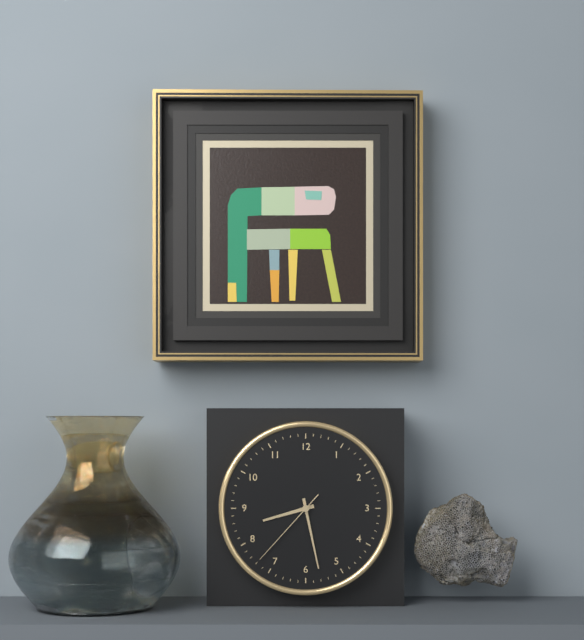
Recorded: h=8 m=28 s=37
